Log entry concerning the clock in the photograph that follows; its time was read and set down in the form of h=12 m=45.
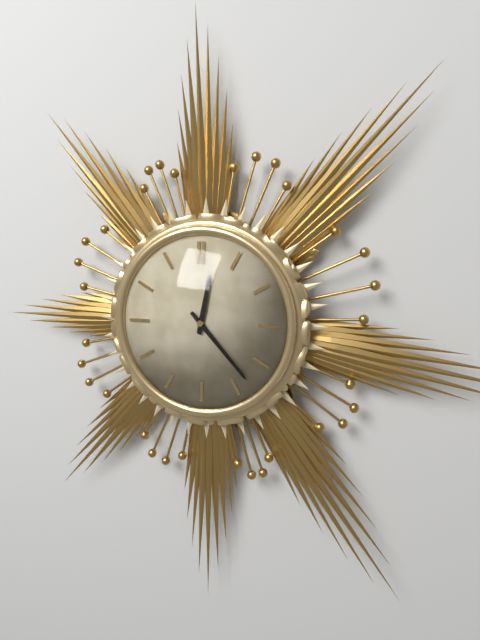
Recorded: h=12 m=23
